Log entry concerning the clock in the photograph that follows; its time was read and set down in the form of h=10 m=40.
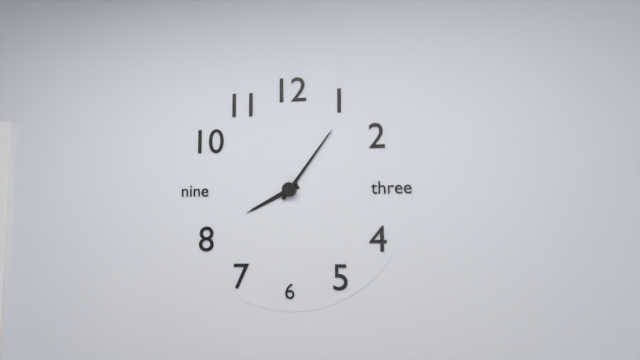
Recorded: h=8 m=6
